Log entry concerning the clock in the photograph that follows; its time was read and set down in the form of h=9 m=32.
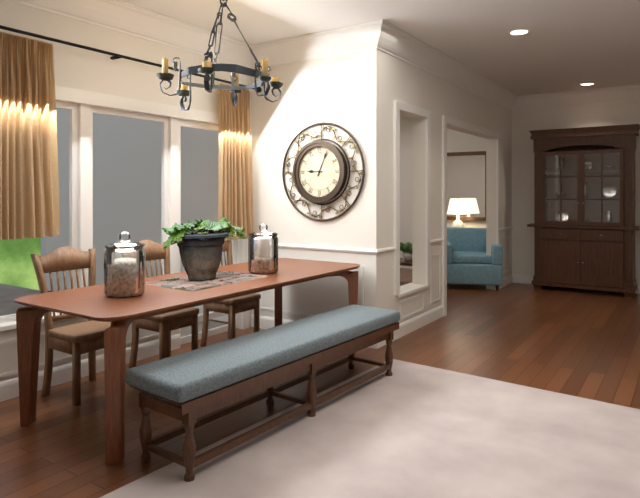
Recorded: h=9 m=4
